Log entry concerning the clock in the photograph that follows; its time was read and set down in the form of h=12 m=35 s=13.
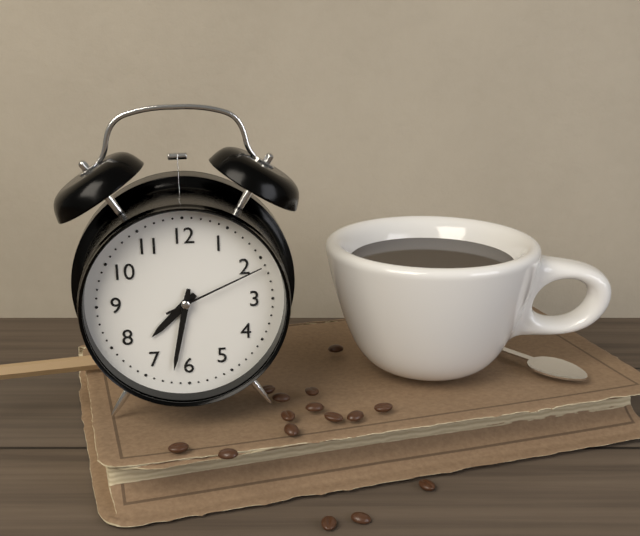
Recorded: h=7 m=32 s=11
